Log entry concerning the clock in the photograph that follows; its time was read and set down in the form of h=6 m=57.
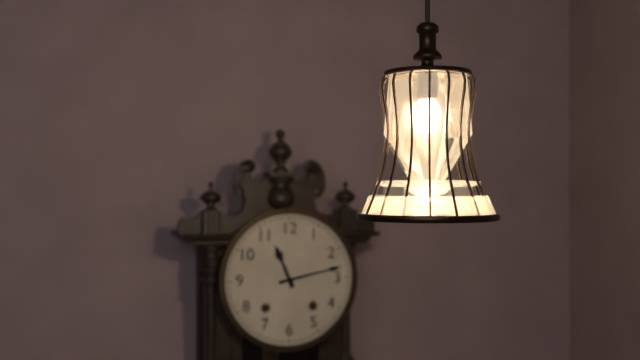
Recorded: h=11 m=13
